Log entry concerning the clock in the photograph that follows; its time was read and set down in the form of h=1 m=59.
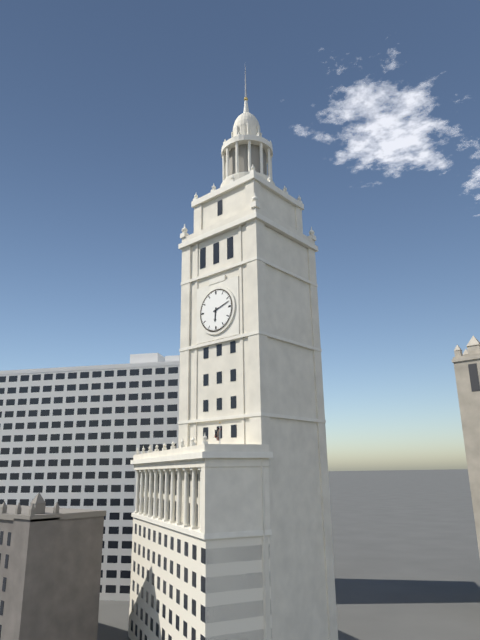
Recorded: h=6 m=12
